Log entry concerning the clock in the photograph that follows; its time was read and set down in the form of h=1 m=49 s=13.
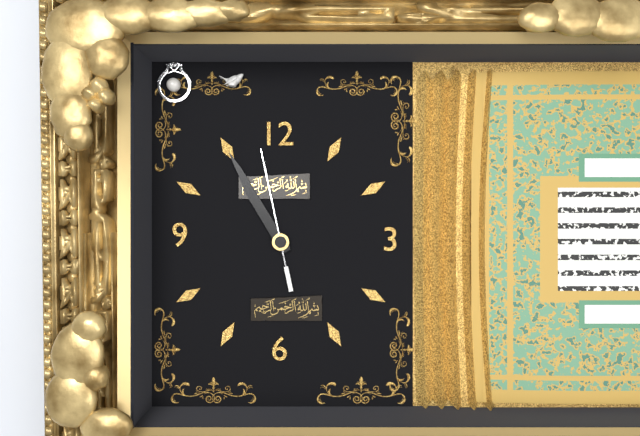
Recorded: h=10 m=55 s=58
